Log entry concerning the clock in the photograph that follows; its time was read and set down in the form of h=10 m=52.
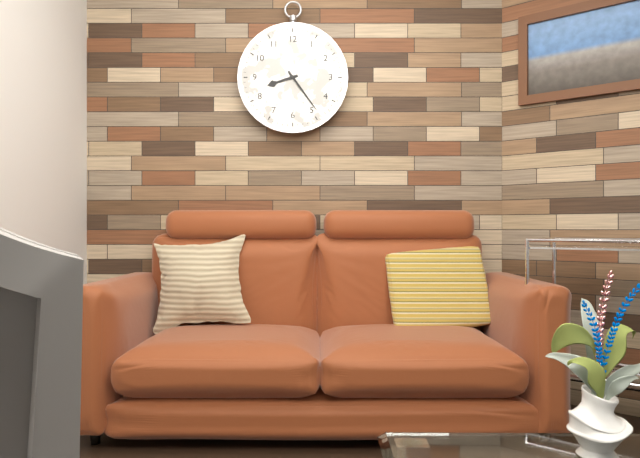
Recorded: h=8 m=24
